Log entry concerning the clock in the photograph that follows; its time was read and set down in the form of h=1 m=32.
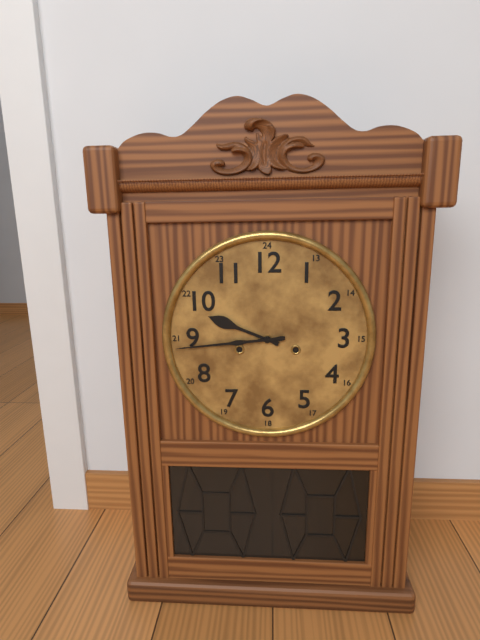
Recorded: h=9 m=44
